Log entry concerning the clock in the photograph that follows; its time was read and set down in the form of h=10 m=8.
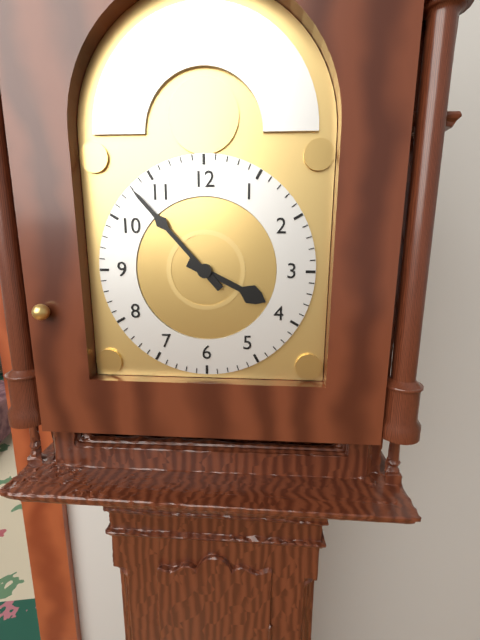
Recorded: h=3 m=53
